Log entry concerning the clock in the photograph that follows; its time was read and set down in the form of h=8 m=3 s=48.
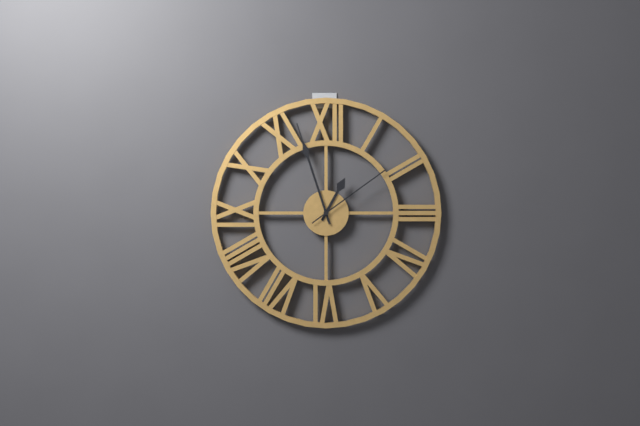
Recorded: h=12 m=57 s=9
